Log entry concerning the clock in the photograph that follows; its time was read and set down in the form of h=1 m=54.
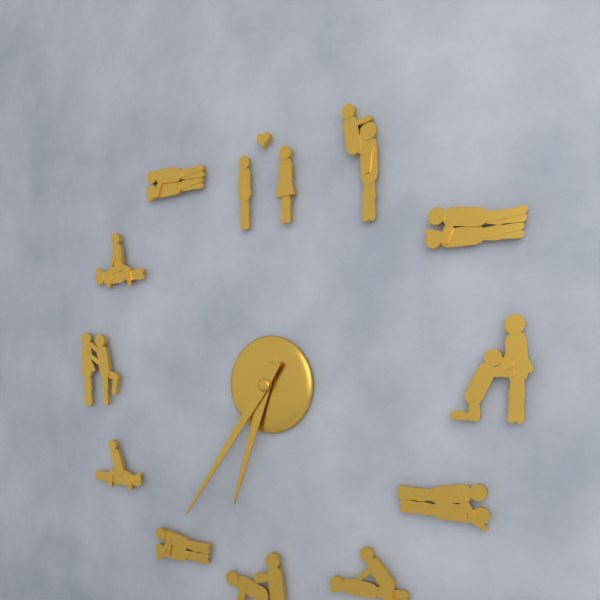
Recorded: h=6 m=36
